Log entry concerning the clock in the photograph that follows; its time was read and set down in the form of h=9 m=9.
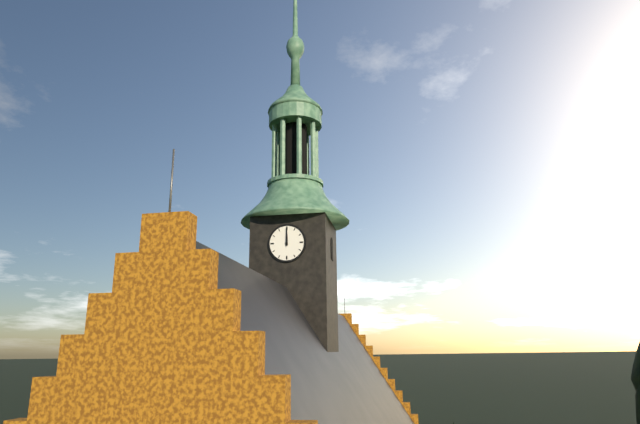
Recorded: h=12 m=0
